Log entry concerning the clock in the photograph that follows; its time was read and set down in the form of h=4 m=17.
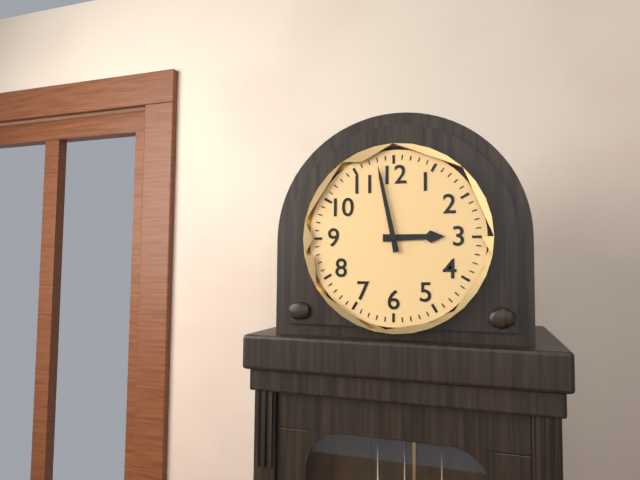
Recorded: h=2 m=58
